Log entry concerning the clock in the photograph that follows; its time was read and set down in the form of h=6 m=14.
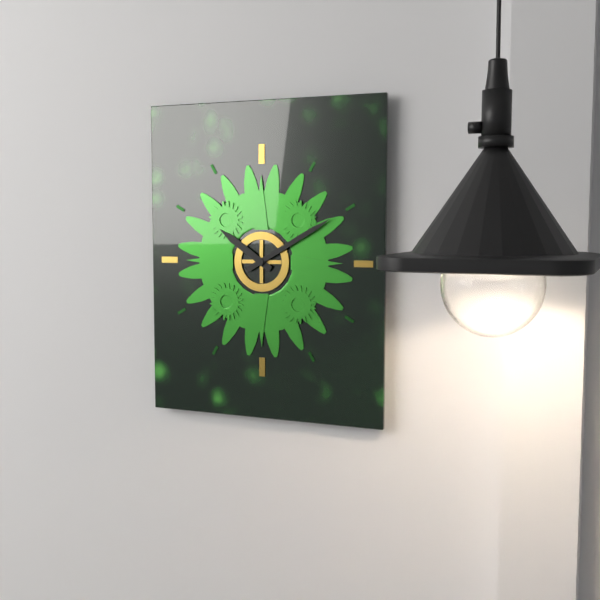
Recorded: h=10 m=10
